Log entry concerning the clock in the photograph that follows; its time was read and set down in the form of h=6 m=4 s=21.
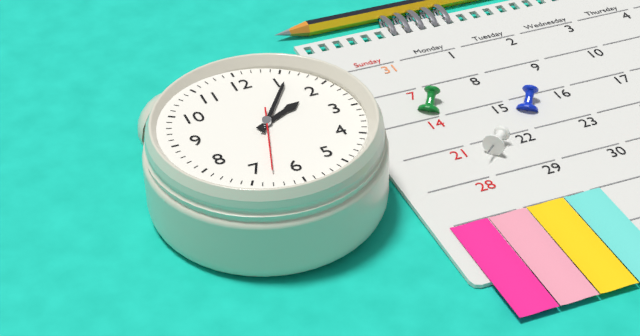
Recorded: h=2 m=6 s=33
